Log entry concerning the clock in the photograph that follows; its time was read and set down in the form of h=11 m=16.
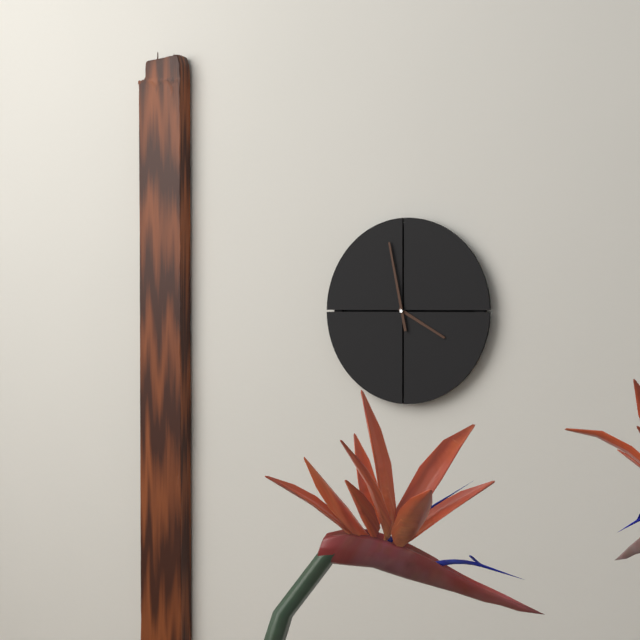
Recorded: h=3 m=58
